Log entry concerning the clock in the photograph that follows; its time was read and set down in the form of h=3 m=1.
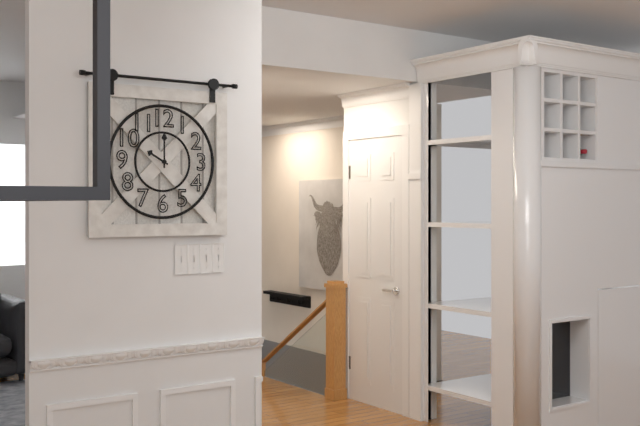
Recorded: h=10 m=0
